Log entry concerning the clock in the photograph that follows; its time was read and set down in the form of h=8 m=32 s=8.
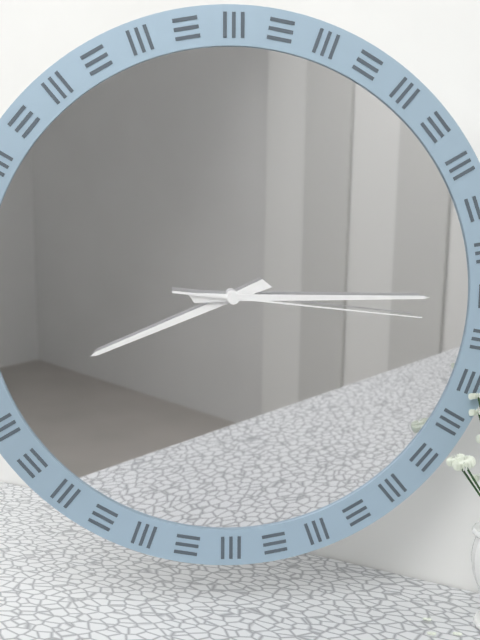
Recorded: h=8 m=15 s=16
